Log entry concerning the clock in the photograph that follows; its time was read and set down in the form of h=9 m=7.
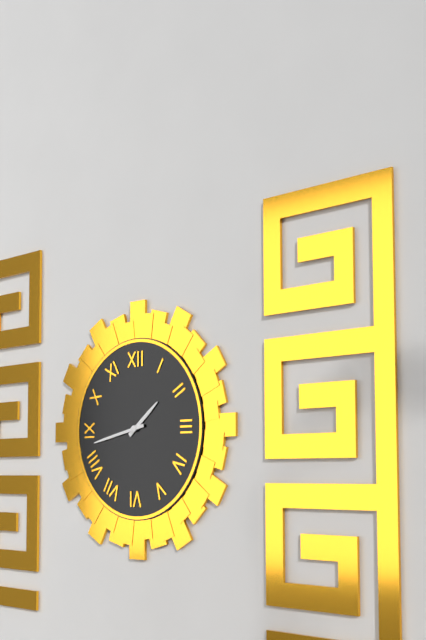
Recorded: h=1 m=43
